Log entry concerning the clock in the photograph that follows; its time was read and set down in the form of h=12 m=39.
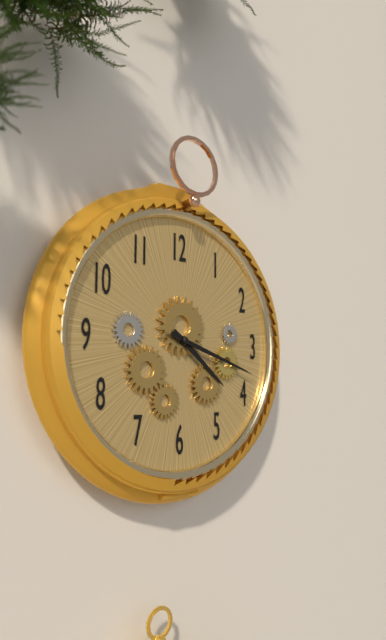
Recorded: h=4 m=18
